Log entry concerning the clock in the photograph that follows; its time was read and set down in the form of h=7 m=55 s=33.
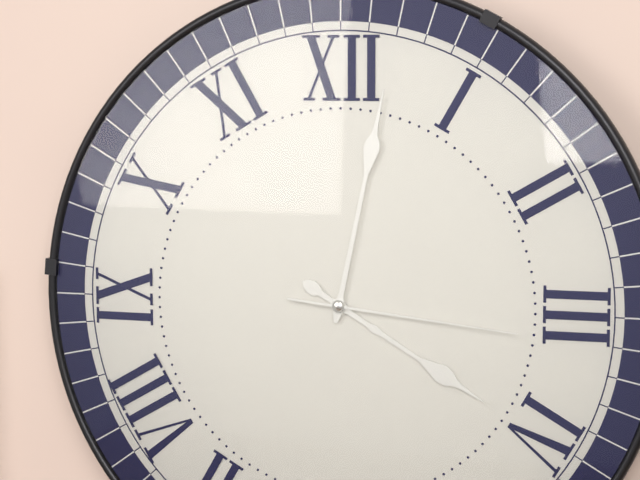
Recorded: h=4 m=2 s=16
